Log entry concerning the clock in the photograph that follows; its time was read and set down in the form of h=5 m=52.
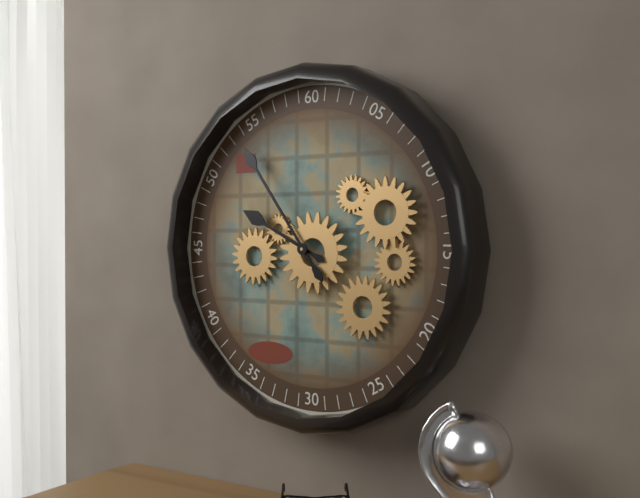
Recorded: h=9 m=54
